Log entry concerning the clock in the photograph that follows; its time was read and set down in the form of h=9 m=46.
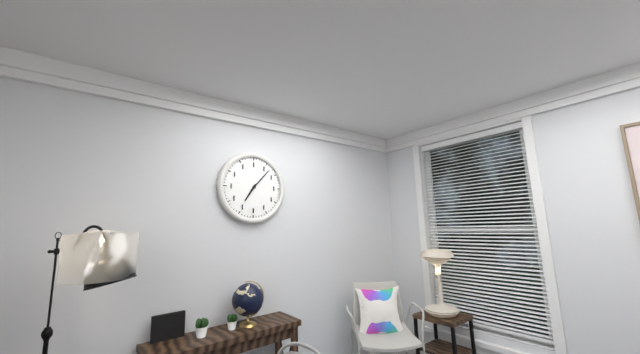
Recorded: h=7 m=7
